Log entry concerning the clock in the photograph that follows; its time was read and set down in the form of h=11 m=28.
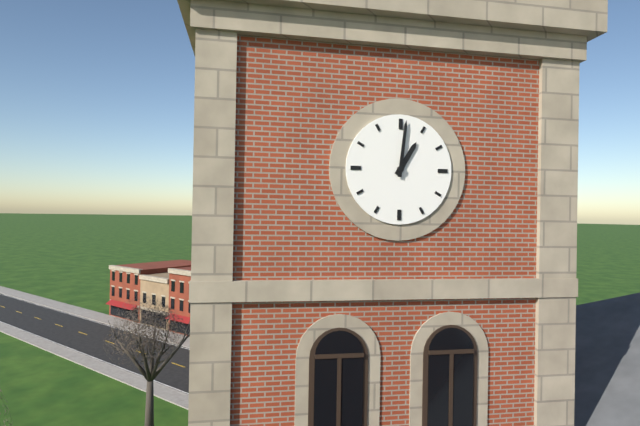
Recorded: h=1 m=1
